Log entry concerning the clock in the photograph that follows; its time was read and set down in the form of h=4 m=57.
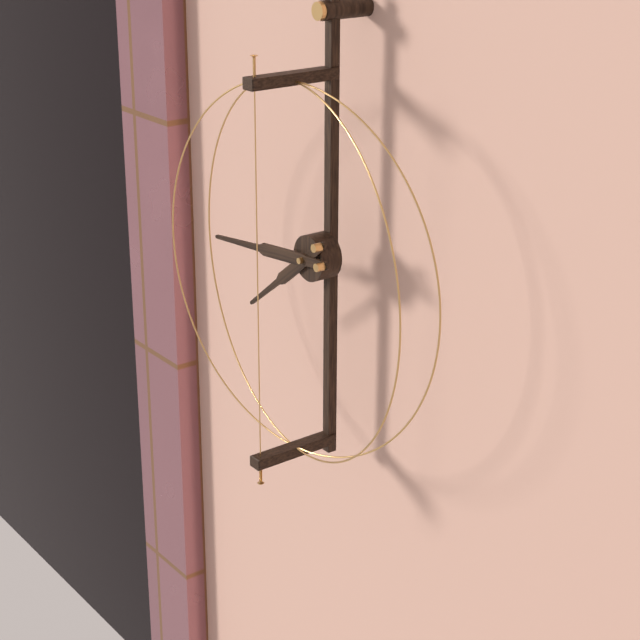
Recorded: h=7 m=44
